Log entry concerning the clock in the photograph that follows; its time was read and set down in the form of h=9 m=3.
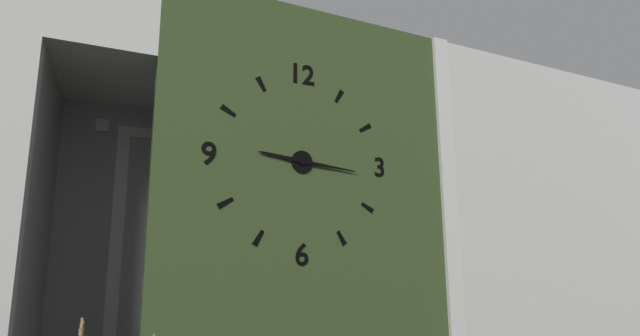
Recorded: h=9 m=16
